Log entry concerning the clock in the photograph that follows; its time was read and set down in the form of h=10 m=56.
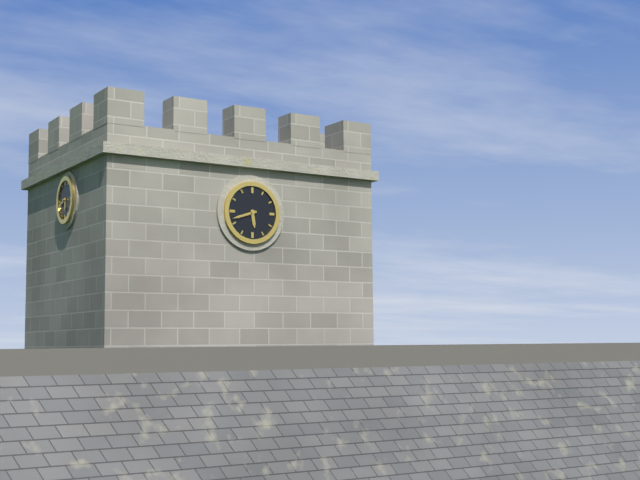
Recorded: h=5 m=42
